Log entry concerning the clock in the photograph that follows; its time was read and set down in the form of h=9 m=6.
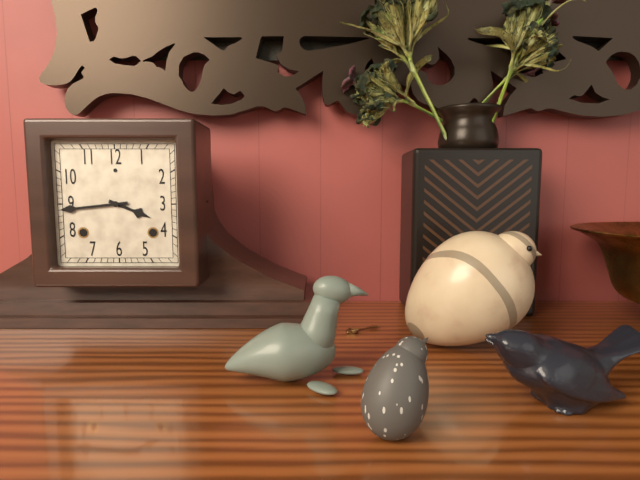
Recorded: h=3 m=44
